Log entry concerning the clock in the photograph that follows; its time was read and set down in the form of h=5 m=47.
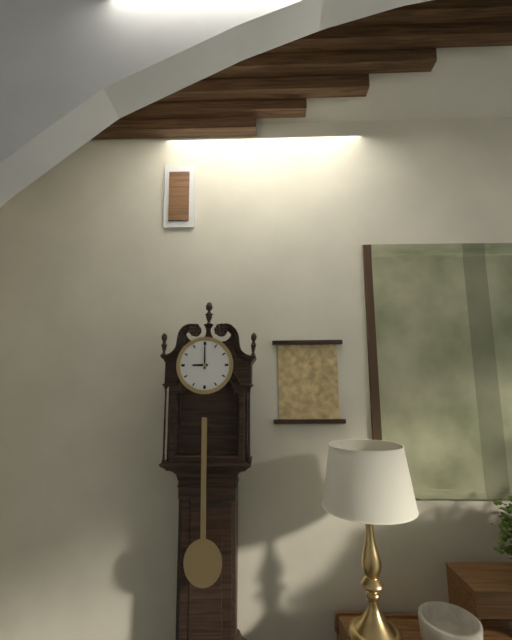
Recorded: h=9 m=0
